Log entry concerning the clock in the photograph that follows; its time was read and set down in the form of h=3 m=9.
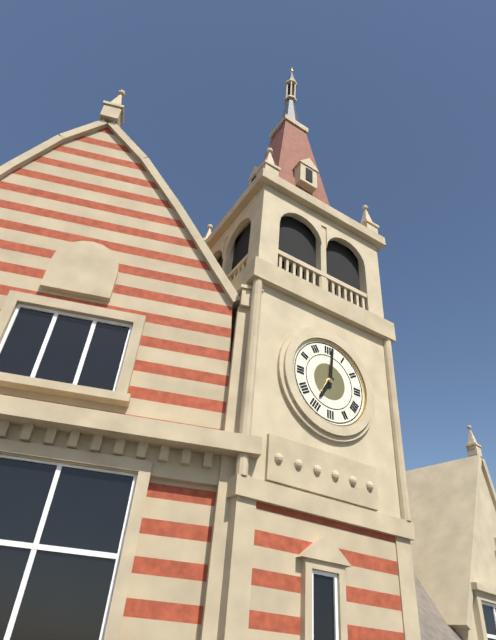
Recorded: h=7 m=1
